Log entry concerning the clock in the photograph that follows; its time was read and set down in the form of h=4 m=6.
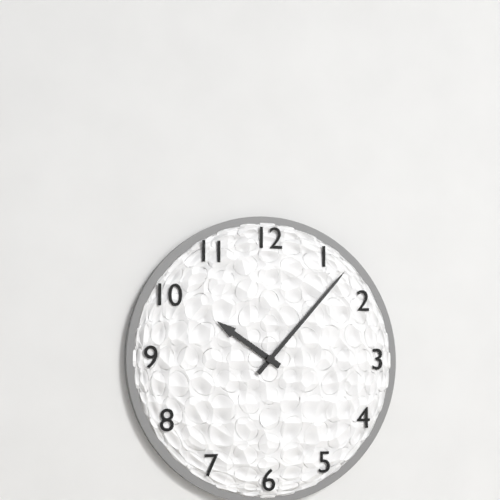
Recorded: h=10 m=7
